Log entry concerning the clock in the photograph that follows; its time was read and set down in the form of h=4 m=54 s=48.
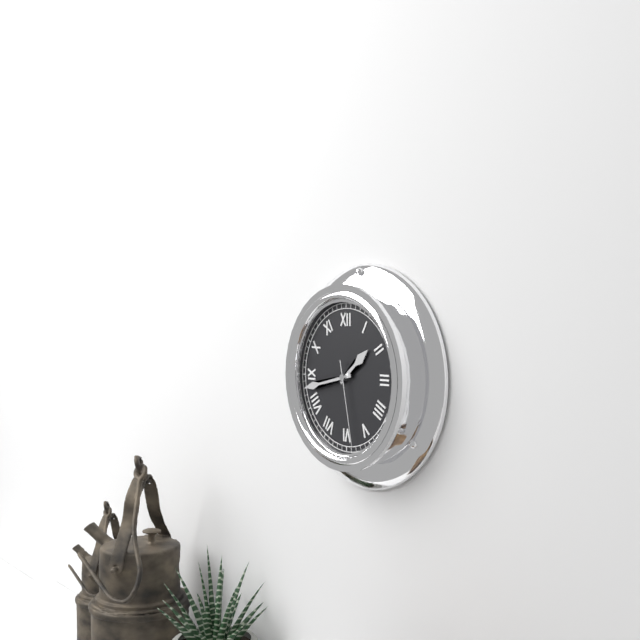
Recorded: h=1 m=43 s=28
